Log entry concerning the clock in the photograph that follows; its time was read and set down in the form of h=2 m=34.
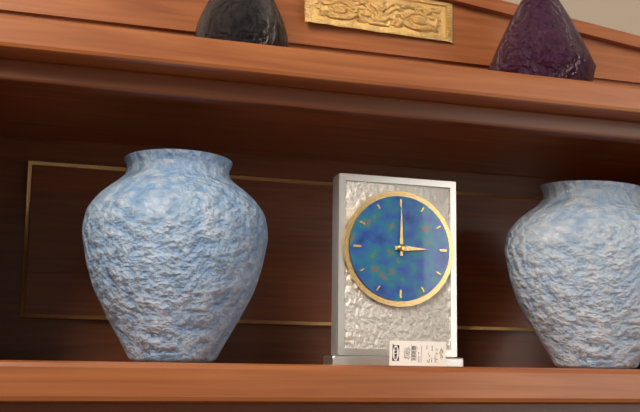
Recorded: h=3 m=0
